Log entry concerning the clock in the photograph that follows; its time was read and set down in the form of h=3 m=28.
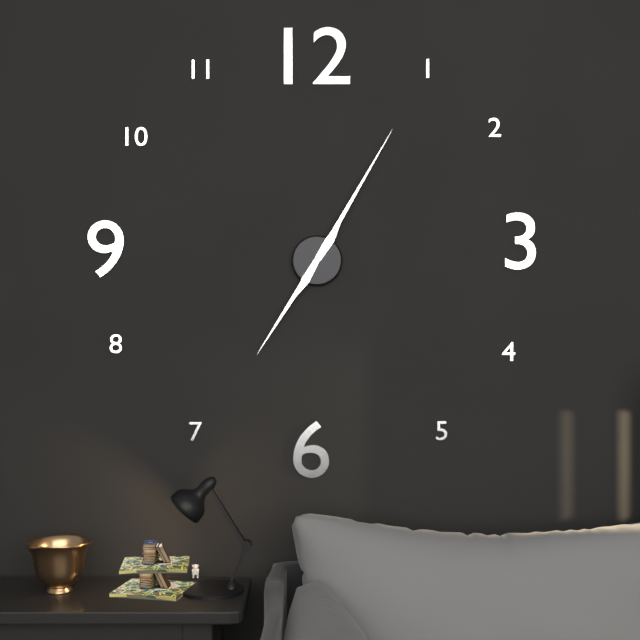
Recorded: h=7 m=5
